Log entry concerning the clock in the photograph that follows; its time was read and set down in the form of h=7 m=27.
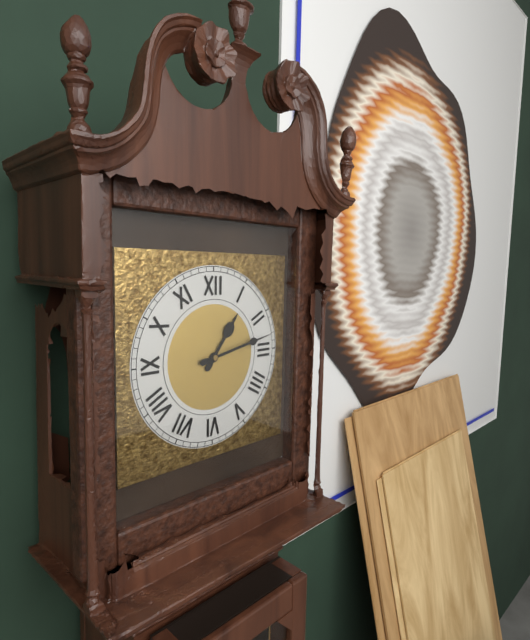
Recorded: h=1 m=13
